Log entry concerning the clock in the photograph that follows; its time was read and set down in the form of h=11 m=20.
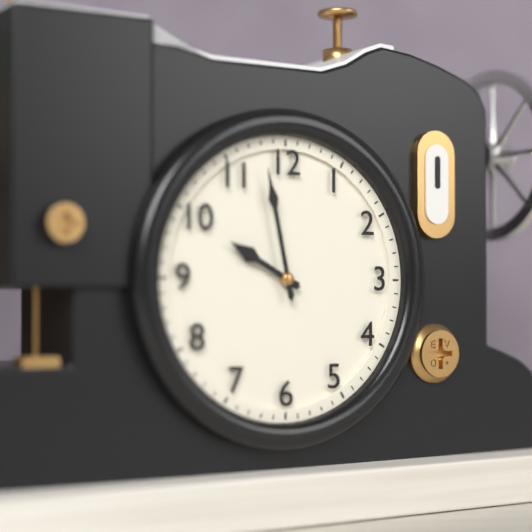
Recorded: h=9 m=58
